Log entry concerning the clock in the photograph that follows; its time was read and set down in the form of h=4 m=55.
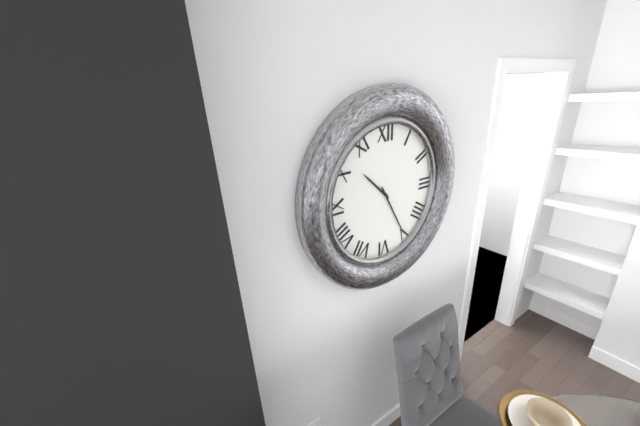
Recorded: h=10 m=25
